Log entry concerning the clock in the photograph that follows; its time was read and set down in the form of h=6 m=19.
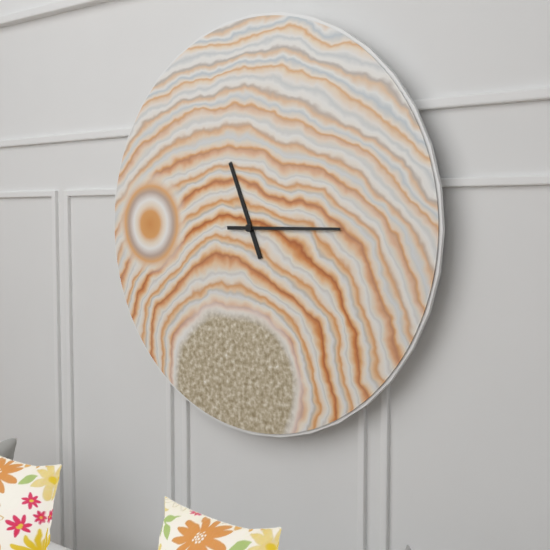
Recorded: h=11 m=15
